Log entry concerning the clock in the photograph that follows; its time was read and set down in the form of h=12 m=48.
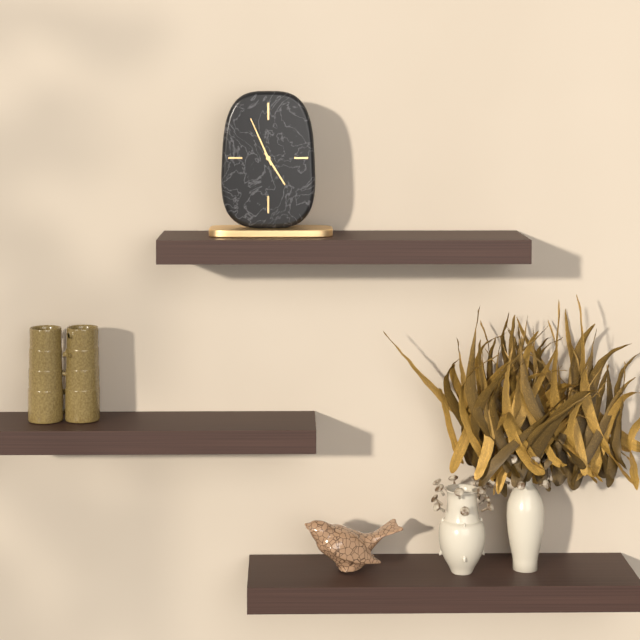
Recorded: h=4 m=56
